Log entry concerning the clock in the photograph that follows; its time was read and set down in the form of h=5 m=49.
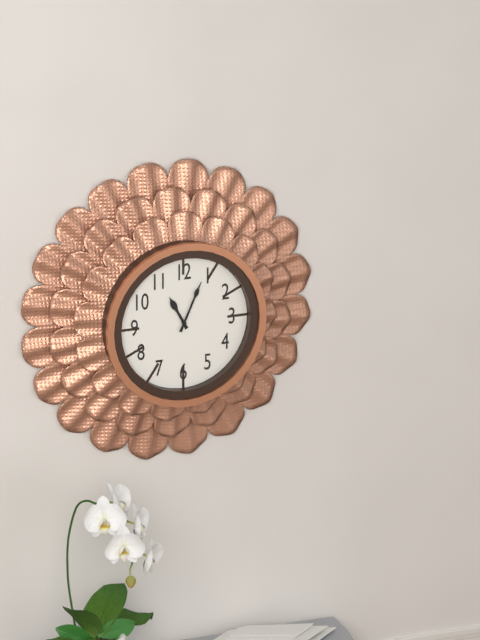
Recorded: h=11 m=4
